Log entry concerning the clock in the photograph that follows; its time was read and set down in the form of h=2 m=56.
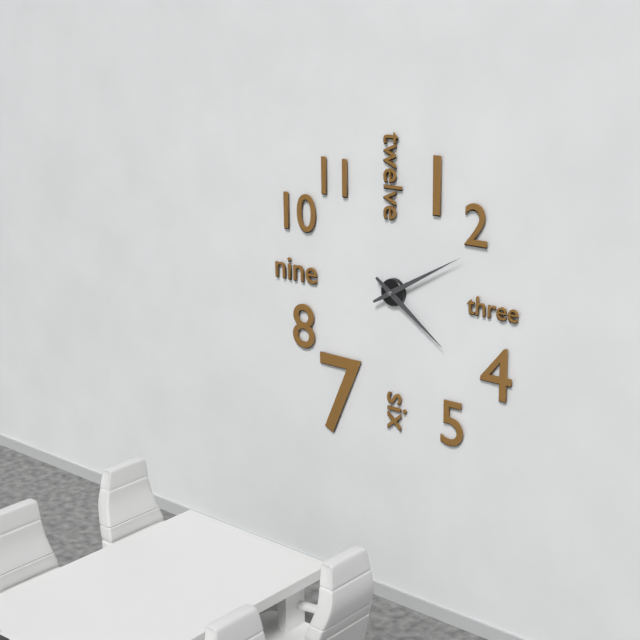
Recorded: h=4 m=10
